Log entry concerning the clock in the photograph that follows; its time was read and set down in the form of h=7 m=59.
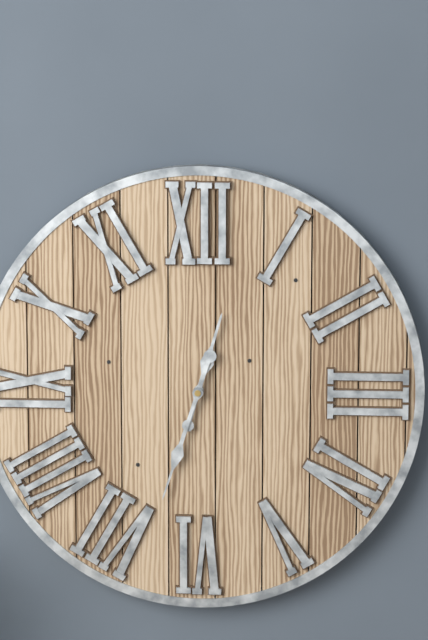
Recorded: h=12 m=33
